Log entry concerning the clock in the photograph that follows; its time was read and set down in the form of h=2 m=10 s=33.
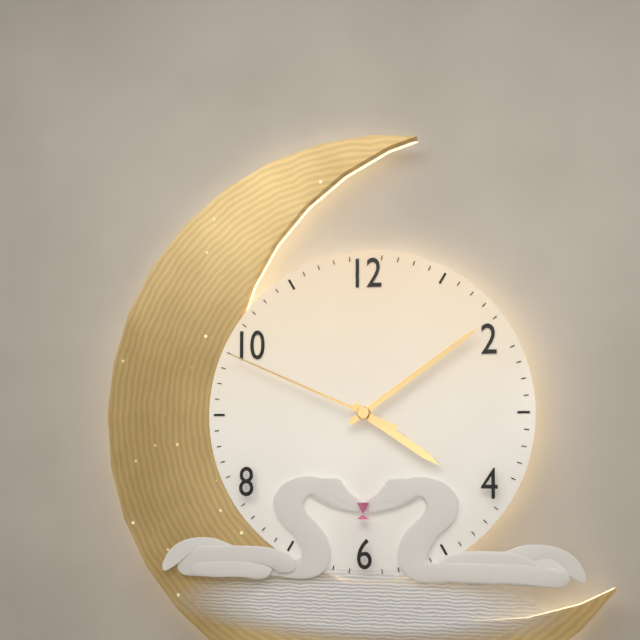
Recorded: h=4 m=9 s=49
